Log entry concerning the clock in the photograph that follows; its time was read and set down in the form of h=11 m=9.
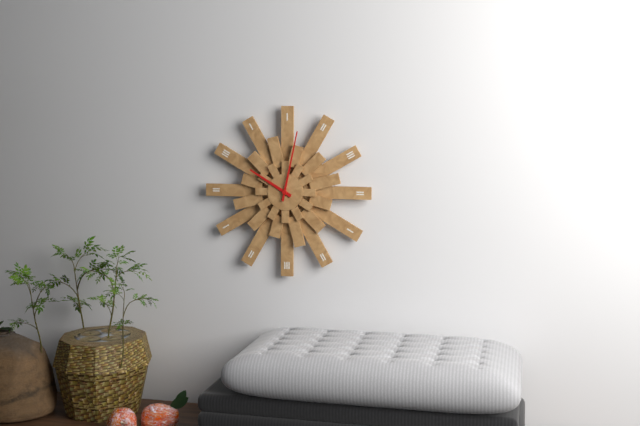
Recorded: h=10 m=2
